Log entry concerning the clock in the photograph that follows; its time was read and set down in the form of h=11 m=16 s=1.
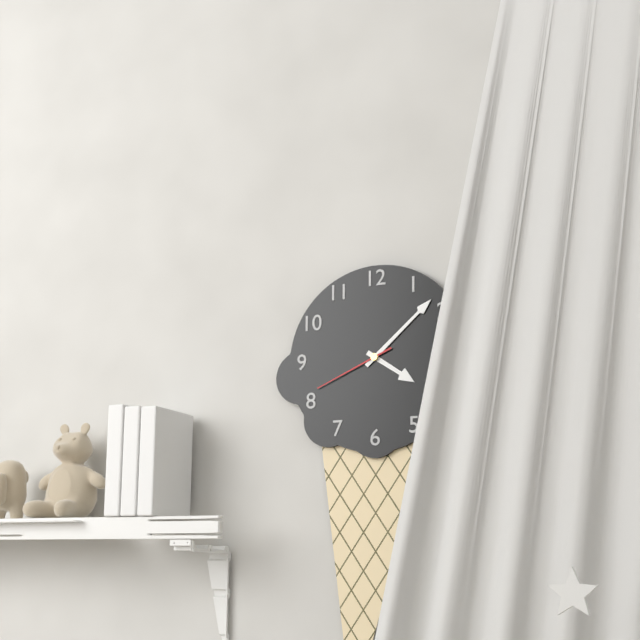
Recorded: h=4 m=8 s=41
